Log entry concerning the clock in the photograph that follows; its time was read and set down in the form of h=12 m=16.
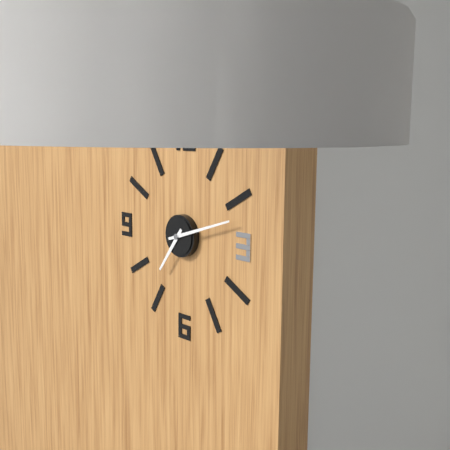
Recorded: h=7 m=12
